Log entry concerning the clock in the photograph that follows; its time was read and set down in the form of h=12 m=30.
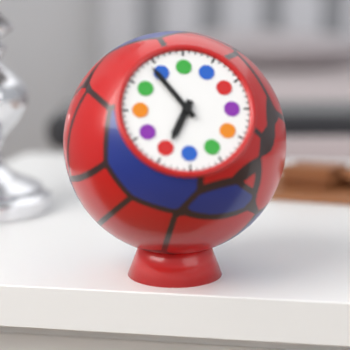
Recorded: h=6 m=54
